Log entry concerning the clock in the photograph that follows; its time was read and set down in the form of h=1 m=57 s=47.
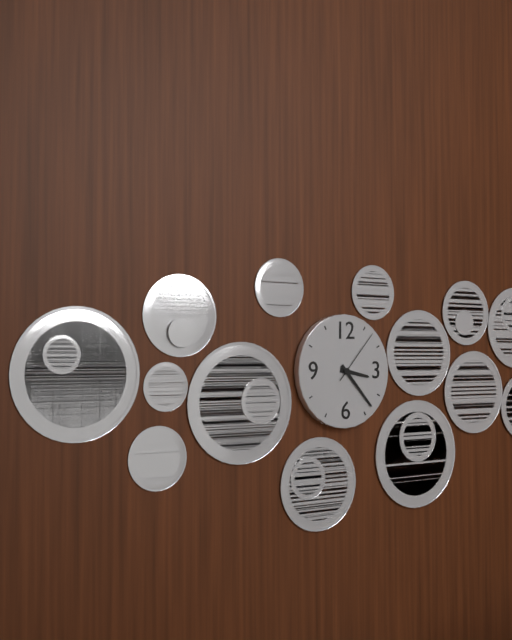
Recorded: h=3 m=23 s=7
